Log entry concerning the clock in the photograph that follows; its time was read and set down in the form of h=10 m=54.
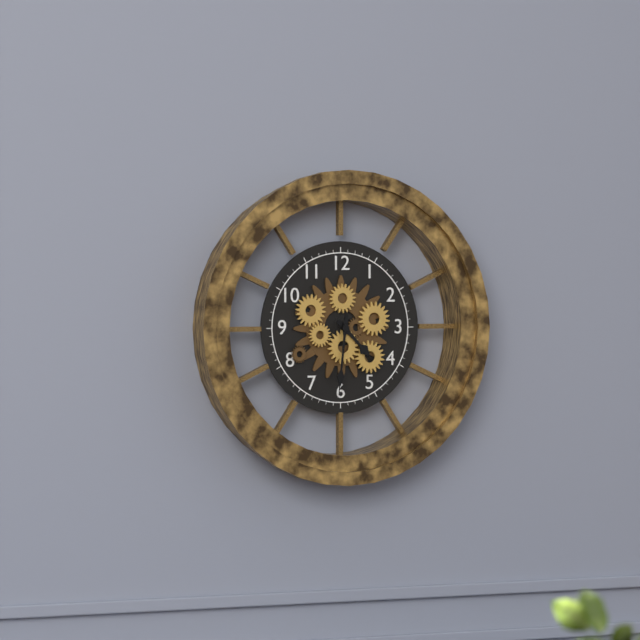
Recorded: h=4 m=31
